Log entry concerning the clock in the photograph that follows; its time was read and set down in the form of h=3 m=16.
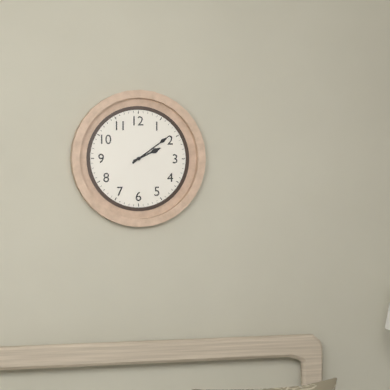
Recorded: h=2 m=9
